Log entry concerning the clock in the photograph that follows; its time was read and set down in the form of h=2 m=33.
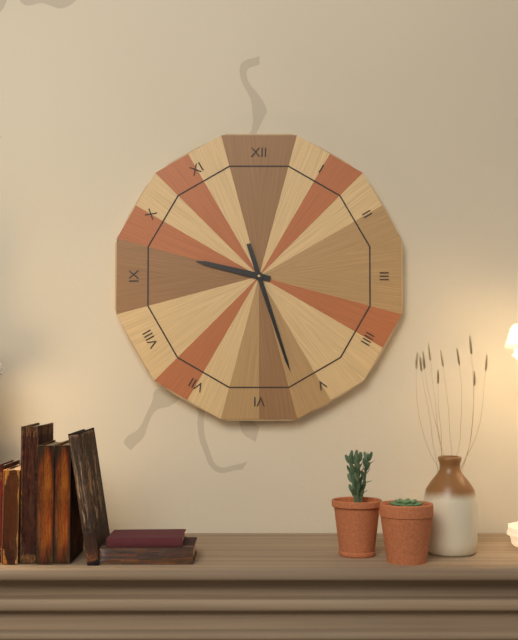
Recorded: h=9 m=27
